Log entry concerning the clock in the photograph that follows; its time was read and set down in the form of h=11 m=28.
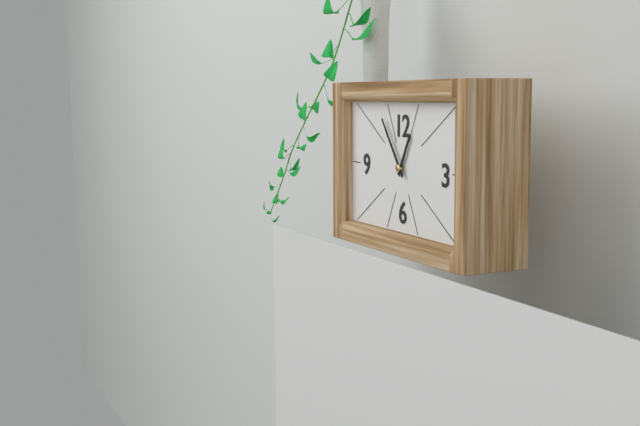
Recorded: h=12 m=54
